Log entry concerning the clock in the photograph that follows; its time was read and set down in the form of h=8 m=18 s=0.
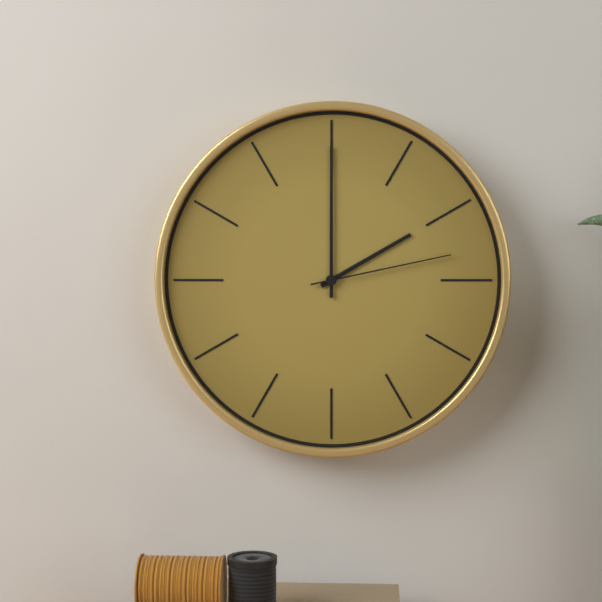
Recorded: h=2 m=0 s=13
